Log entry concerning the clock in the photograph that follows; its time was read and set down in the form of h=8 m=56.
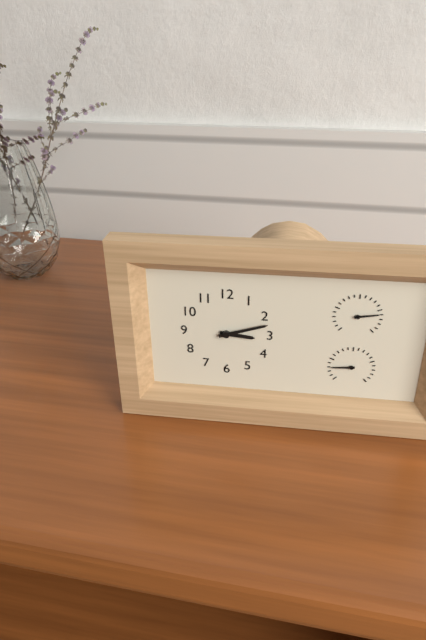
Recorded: h=3 m=12
